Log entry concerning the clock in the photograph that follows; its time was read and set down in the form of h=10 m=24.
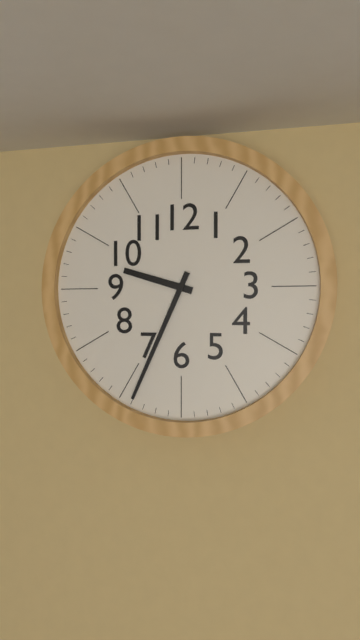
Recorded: h=9 m=34
